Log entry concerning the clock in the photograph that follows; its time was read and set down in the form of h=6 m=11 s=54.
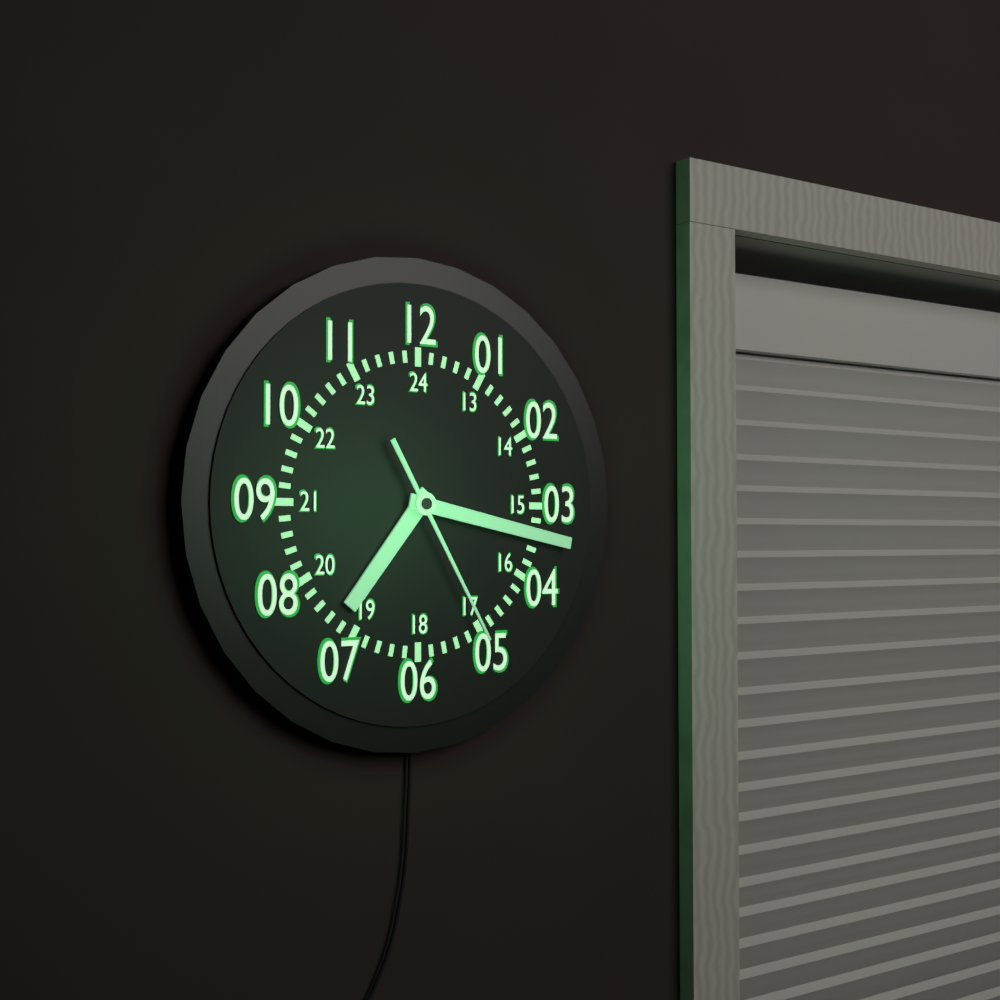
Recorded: h=7 m=17 s=25
